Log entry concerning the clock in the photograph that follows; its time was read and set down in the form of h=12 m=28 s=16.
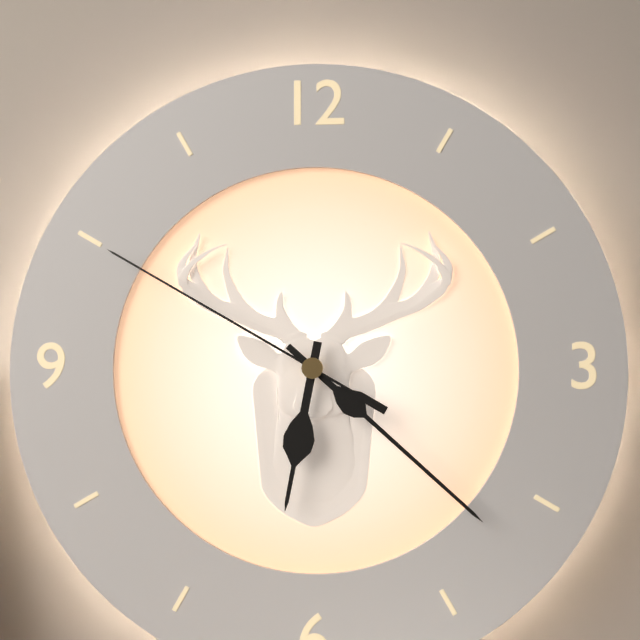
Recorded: h=6 m=22 s=50
